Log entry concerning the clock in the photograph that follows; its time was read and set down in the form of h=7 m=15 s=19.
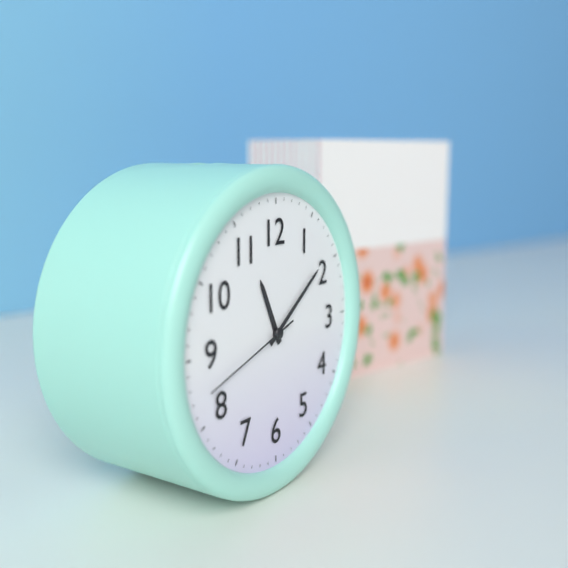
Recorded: h=11 m=9 s=42
